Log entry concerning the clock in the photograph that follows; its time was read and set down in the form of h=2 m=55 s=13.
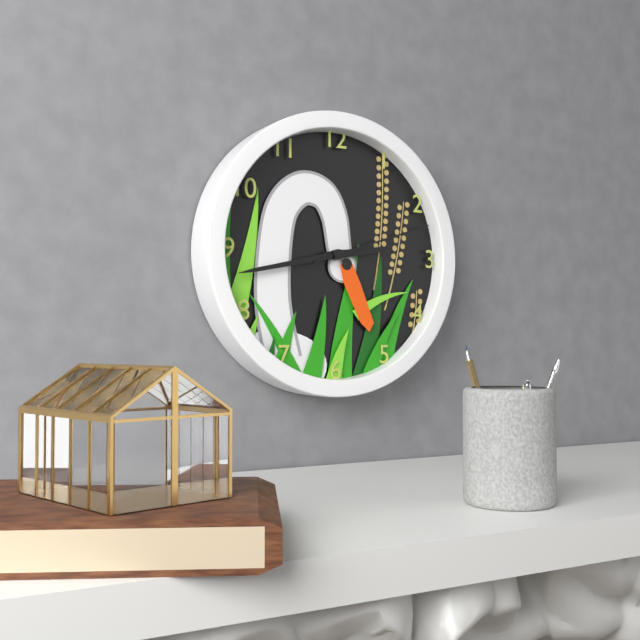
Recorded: h=2 m=43 s=12
